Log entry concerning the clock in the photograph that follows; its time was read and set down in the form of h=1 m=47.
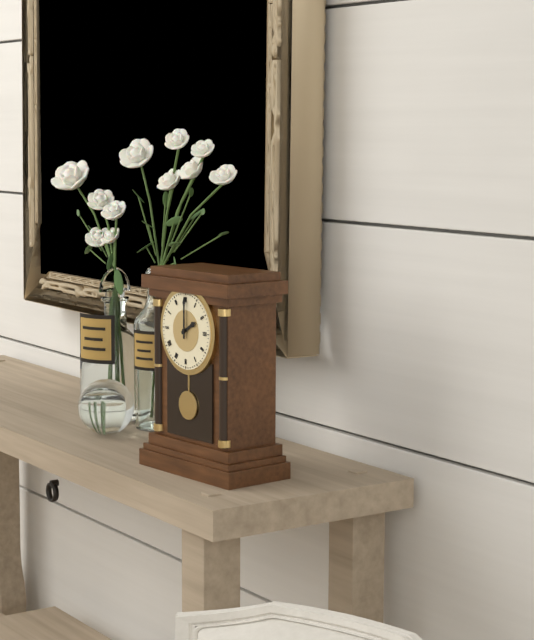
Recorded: h=2 m=0
